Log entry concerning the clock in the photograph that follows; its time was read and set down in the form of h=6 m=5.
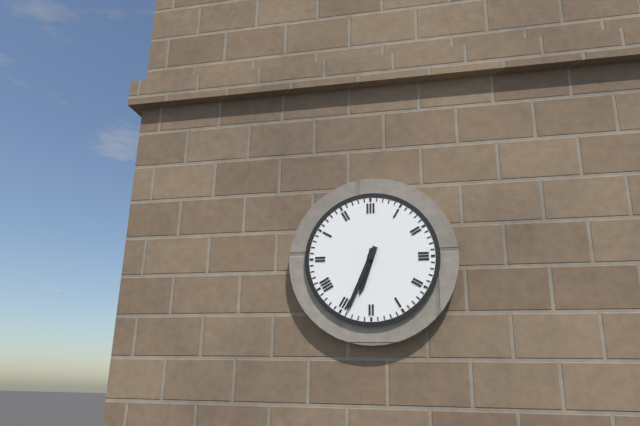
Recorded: h=6 m=34
